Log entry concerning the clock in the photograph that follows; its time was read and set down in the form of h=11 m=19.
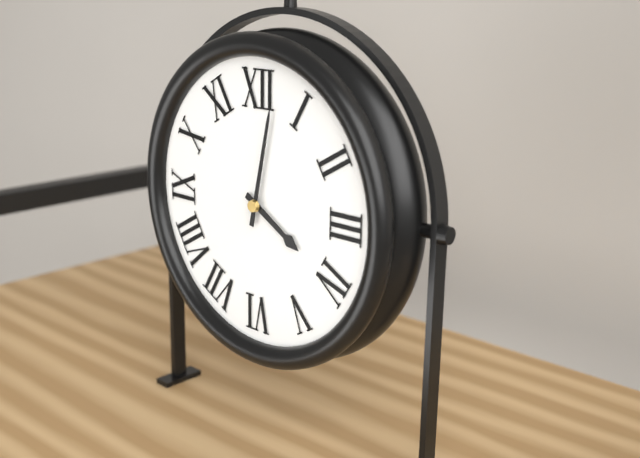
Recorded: h=4 m=2
